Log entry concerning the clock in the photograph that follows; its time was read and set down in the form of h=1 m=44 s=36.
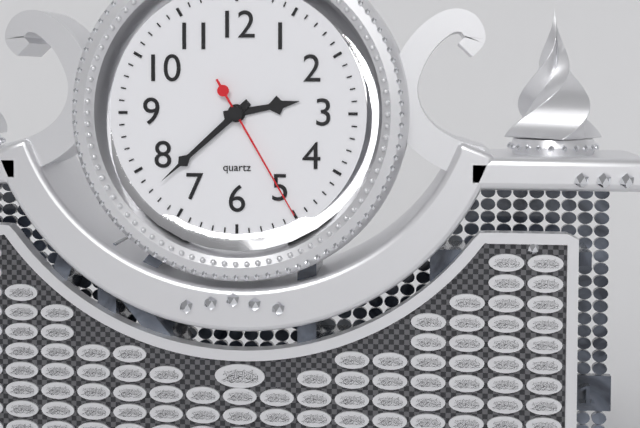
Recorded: h=2 m=38 s=25
